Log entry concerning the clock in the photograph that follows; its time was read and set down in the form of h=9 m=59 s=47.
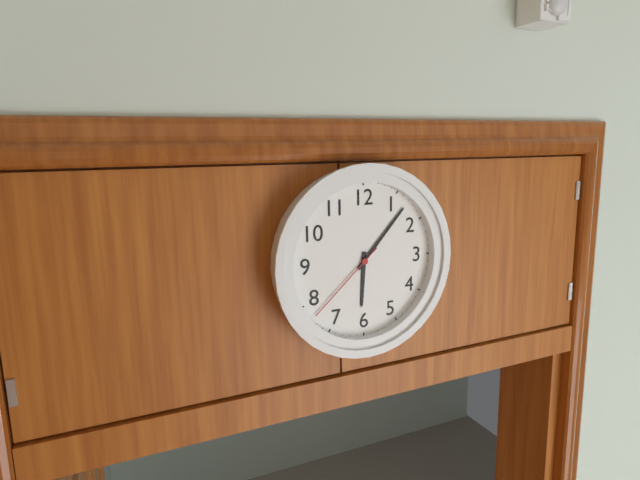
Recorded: h=6 m=7 s=38
